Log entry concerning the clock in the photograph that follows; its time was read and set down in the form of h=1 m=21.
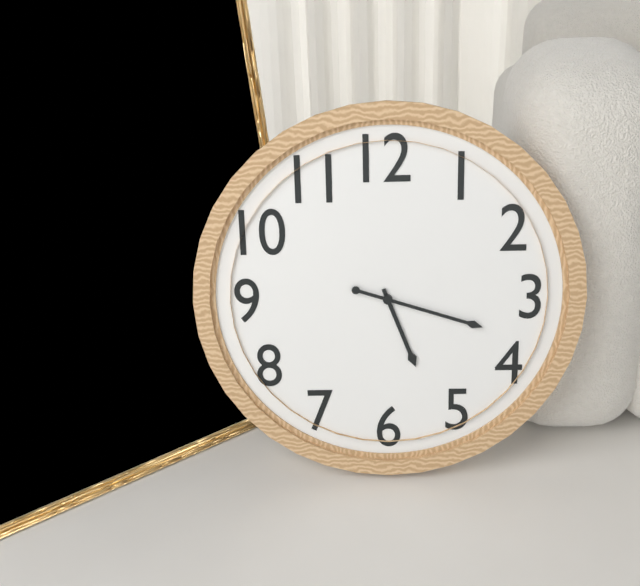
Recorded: h=5 m=18
